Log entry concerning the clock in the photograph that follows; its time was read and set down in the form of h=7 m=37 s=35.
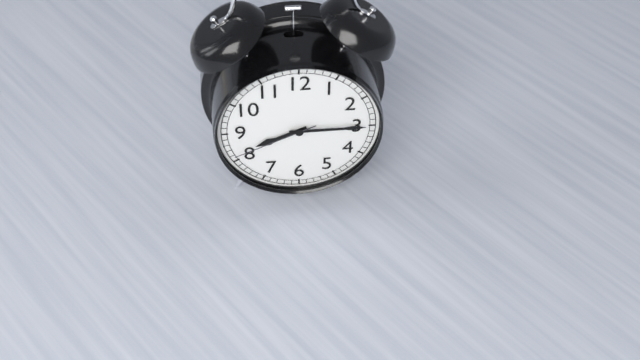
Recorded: h=8 m=15 s=41
